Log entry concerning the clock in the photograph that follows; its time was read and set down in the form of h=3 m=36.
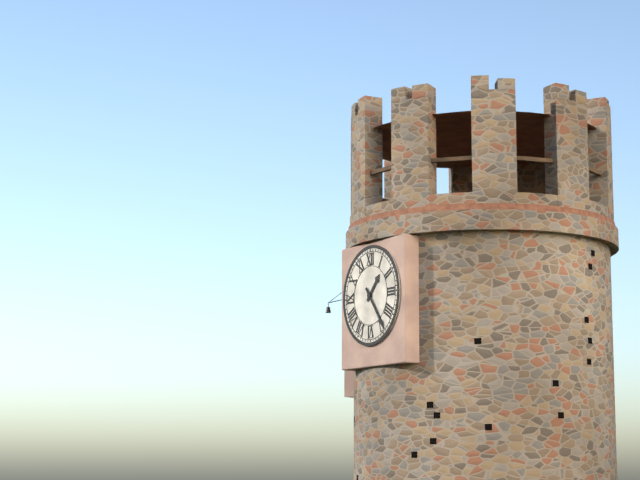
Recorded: h=1 m=24
